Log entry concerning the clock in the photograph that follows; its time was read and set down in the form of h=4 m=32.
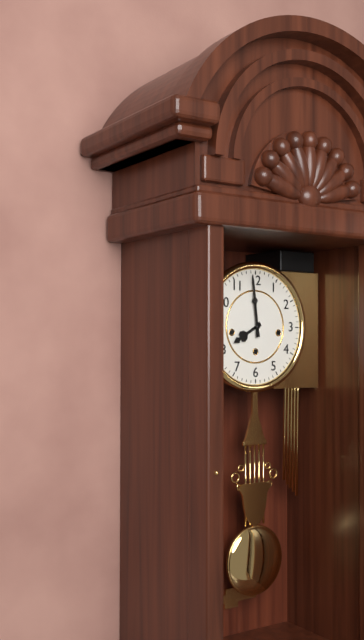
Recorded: h=7 m=59
